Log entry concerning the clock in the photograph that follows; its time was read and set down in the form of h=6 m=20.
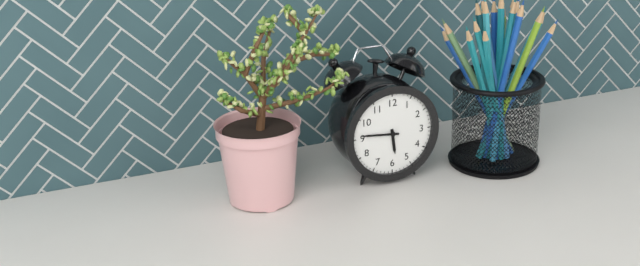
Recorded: h=5 m=46
